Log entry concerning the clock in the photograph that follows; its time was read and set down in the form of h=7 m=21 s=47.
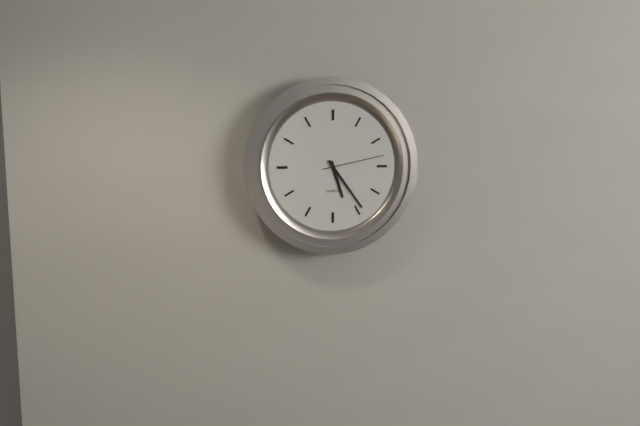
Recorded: h=5 m=24 s=13
